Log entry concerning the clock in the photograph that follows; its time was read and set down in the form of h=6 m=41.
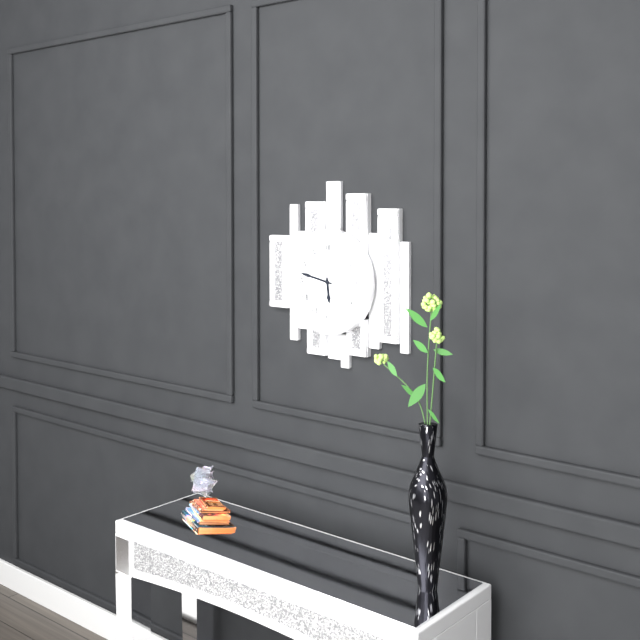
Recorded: h=5 m=47
